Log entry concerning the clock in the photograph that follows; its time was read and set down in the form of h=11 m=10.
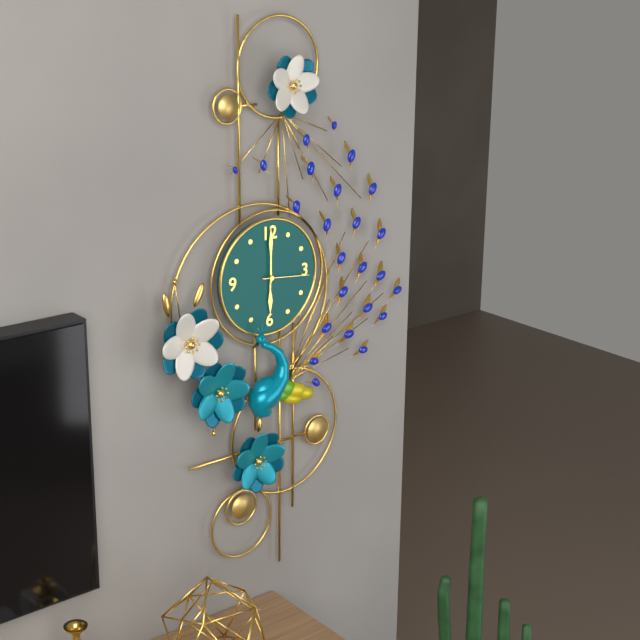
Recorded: h=6 m=0
